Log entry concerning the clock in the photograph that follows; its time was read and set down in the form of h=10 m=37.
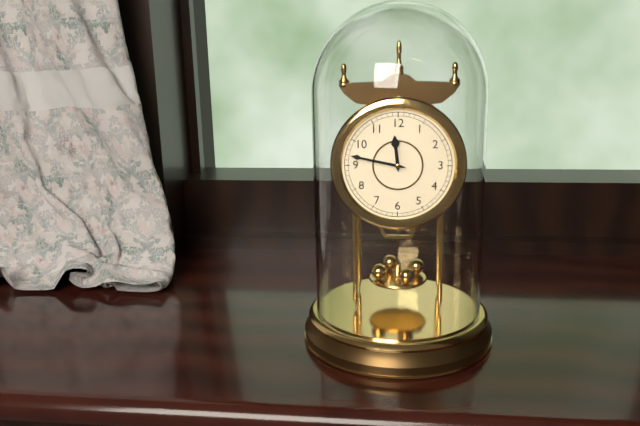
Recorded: h=11 m=47
